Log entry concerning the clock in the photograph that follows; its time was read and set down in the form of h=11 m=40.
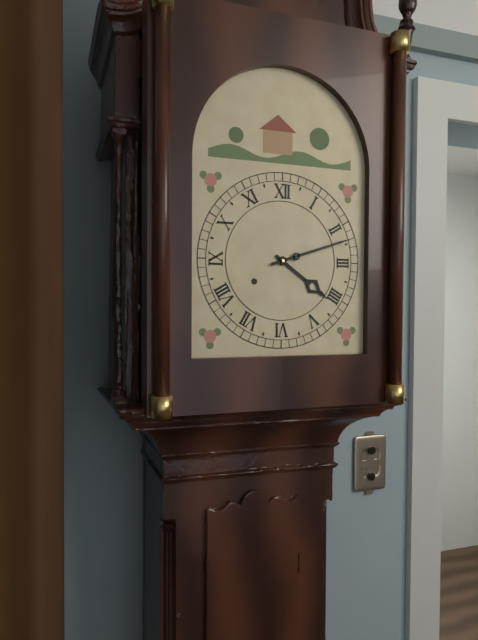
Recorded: h=4 m=12
